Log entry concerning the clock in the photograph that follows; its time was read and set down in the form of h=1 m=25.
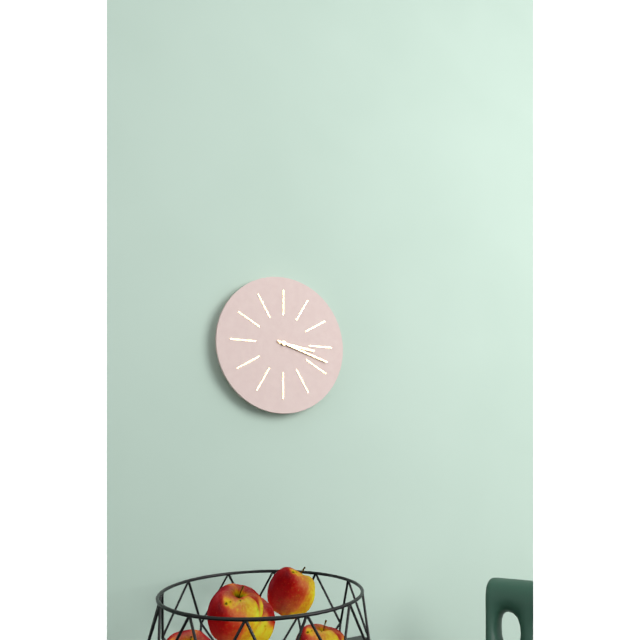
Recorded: h=3 m=18
